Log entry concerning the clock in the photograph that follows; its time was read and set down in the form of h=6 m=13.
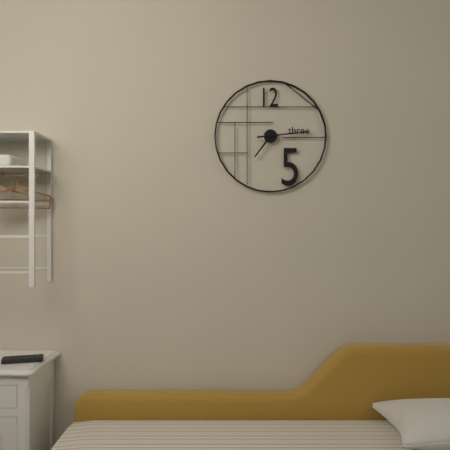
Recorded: h=7 m=14
